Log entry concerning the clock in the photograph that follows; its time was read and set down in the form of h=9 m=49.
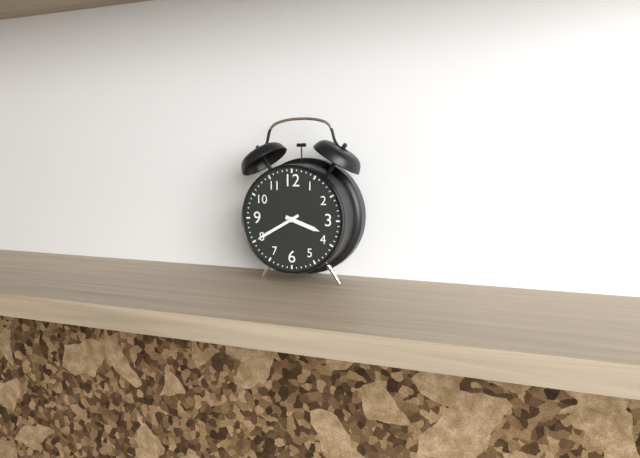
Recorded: h=3 m=40
